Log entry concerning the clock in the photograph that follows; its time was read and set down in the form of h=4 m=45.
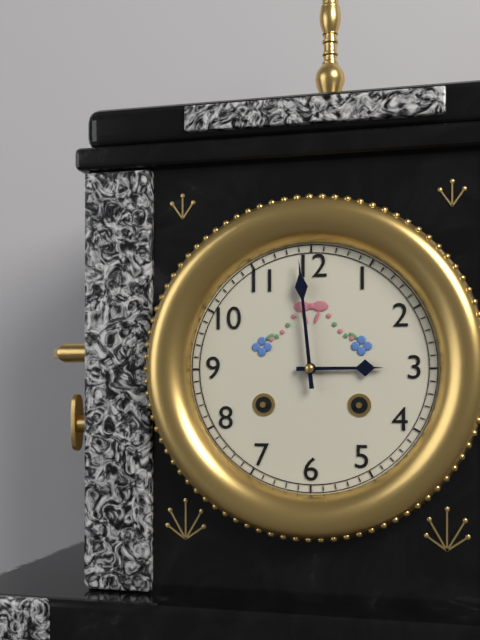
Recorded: h=2 m=59
